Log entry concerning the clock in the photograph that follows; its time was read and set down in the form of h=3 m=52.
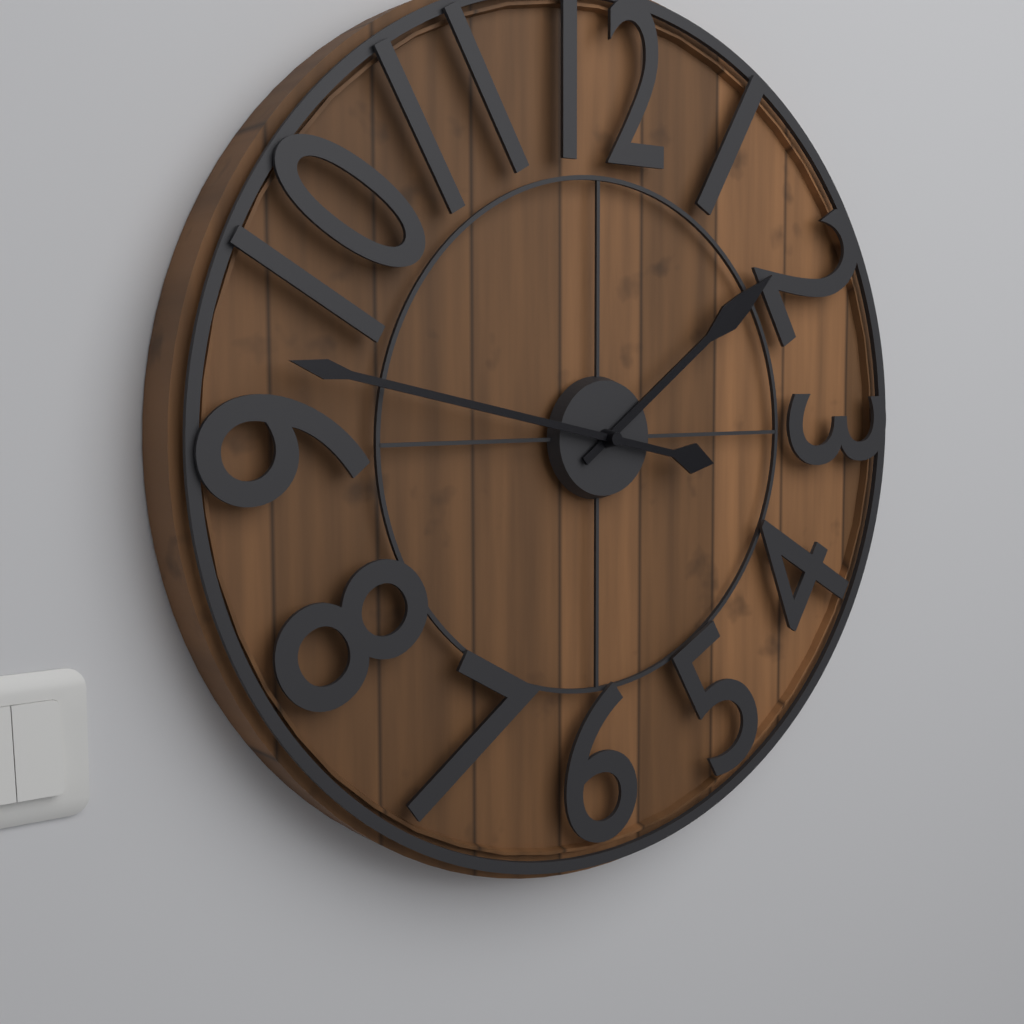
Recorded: h=1 m=47
